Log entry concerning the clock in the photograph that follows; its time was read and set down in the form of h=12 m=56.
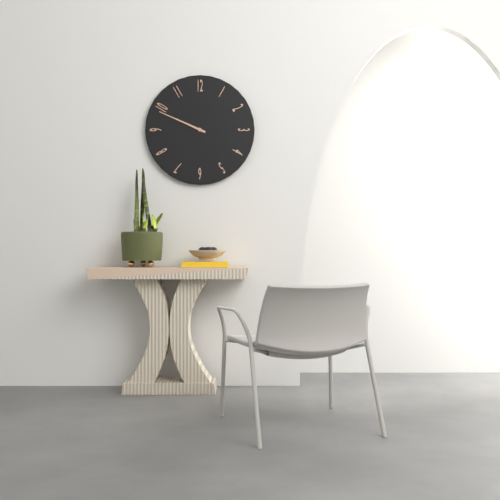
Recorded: h=9 m=49
